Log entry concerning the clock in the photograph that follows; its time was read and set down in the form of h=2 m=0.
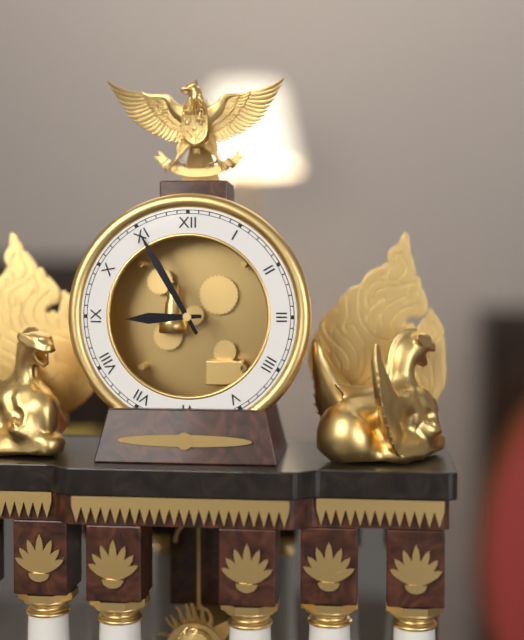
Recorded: h=8 m=55
